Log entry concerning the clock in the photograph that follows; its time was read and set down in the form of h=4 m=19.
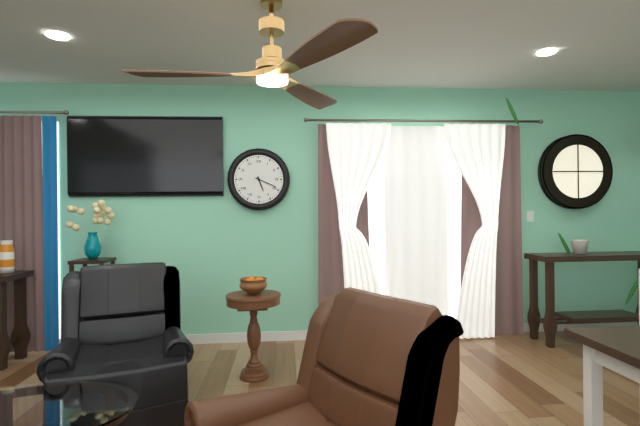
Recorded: h=5 m=19
